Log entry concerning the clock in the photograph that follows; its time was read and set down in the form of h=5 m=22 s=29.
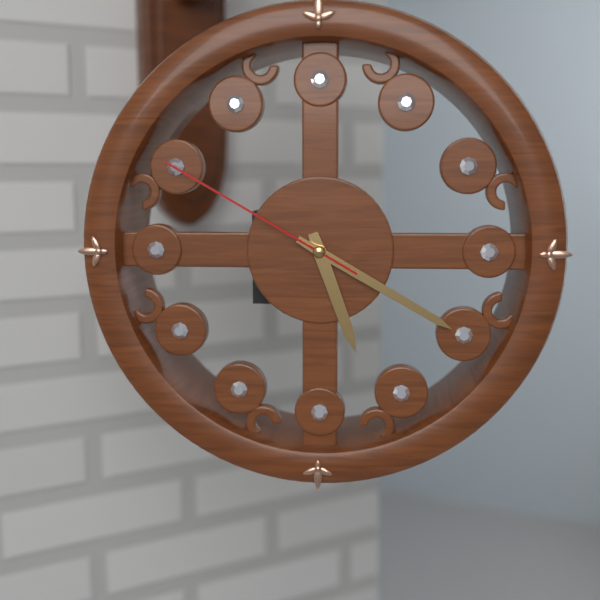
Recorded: h=5 m=20 s=50
